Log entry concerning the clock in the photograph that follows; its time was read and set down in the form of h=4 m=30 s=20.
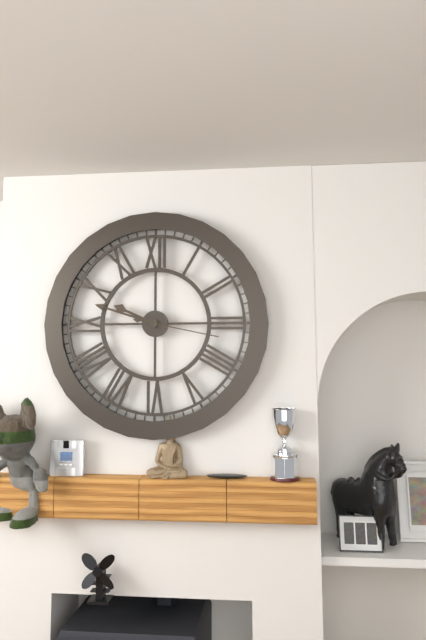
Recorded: h=9 m=48 s=17
